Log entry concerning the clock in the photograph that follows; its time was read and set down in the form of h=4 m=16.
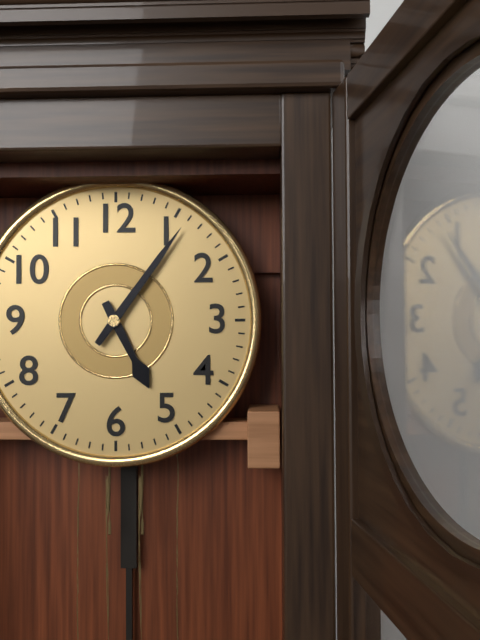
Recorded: h=5 m=6
